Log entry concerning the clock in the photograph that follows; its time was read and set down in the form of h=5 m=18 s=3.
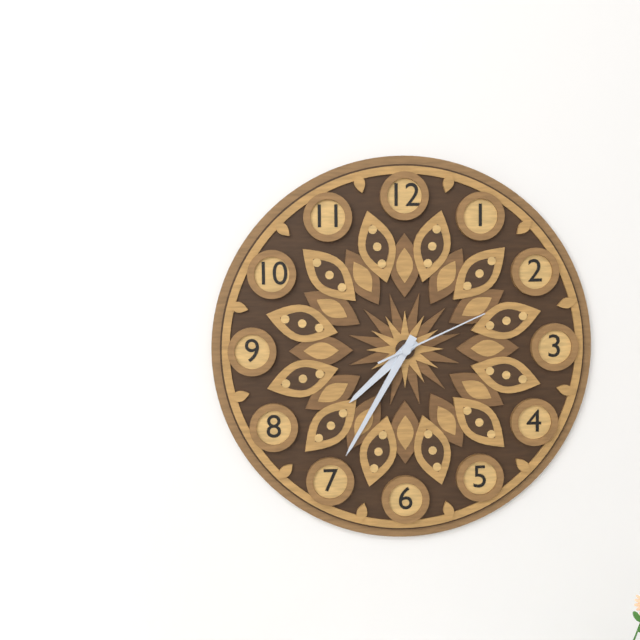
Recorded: h=7 m=35 s=11
